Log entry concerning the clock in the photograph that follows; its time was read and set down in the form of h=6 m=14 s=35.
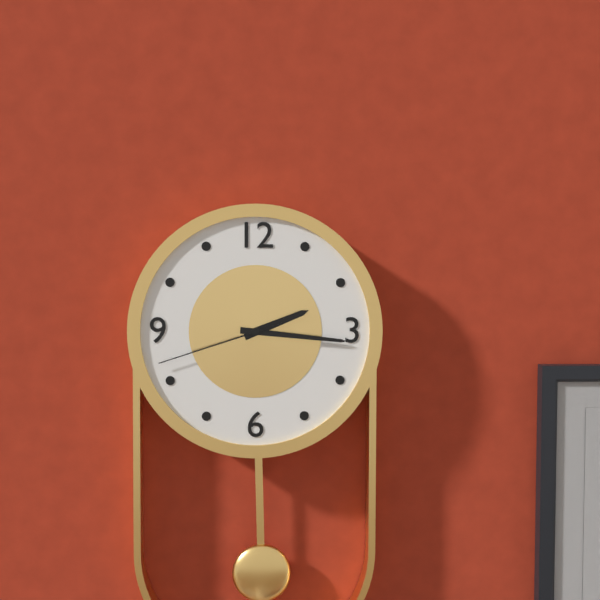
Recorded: h=2 m=16 s=42
